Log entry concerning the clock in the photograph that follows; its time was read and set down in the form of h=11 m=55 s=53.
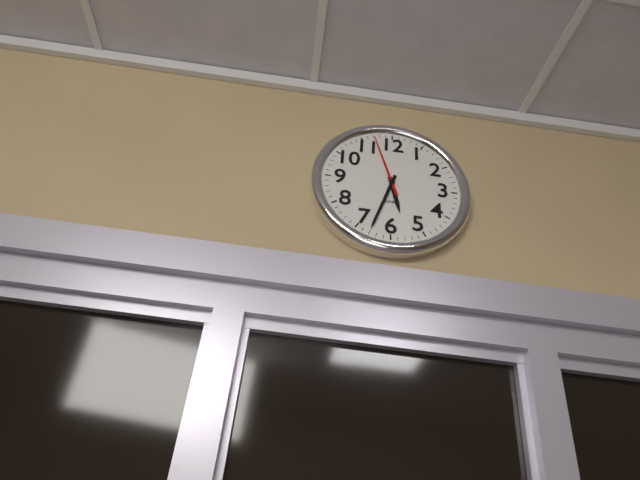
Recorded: h=5 m=33 s=57
